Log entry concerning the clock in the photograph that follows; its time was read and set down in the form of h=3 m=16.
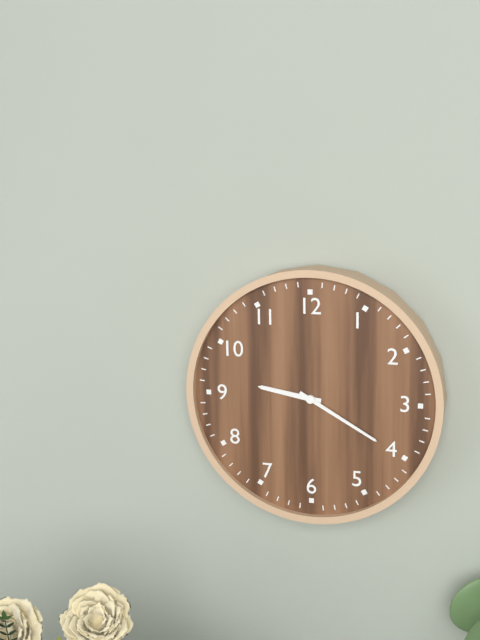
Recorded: h=9 m=20
